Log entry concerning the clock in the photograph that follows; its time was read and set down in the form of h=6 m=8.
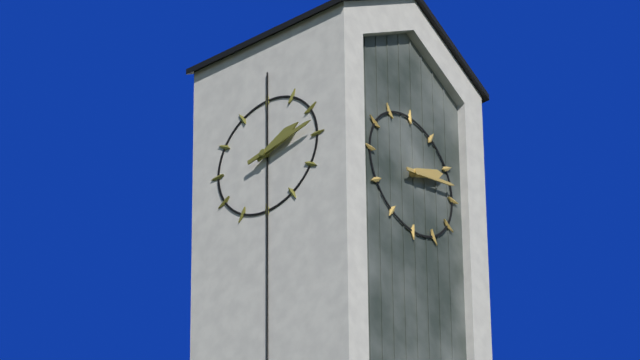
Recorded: h=2 m=13
